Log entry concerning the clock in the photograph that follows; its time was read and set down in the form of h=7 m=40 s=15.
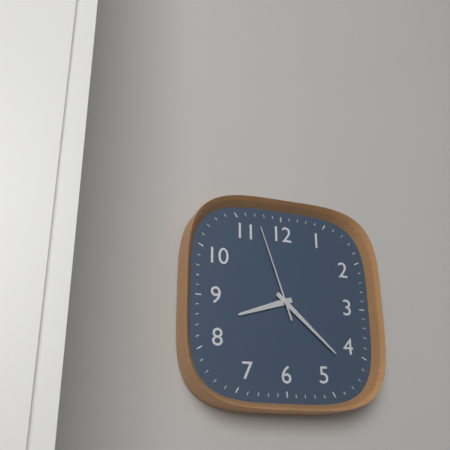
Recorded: h=8 m=22 s=57
